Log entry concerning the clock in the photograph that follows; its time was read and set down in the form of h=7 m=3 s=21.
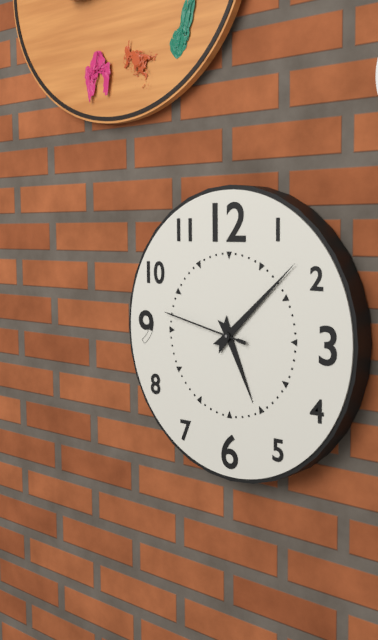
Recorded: h=5 m=8 s=47
